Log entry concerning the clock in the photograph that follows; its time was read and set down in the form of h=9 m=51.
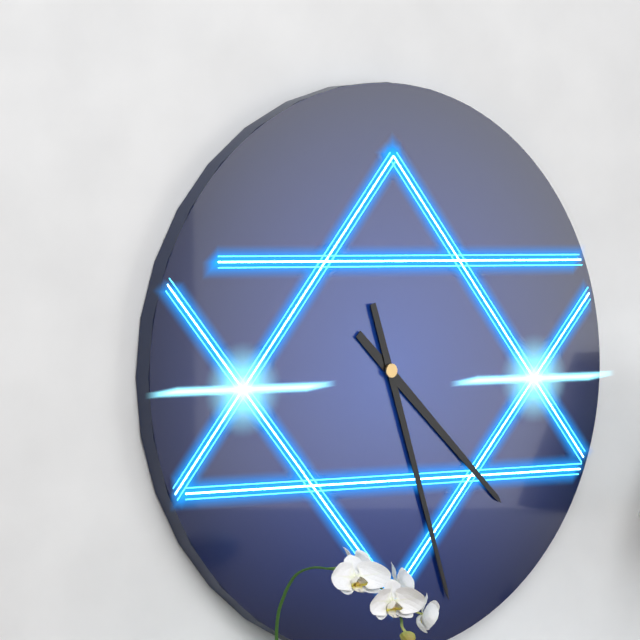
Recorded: h=4 m=27
